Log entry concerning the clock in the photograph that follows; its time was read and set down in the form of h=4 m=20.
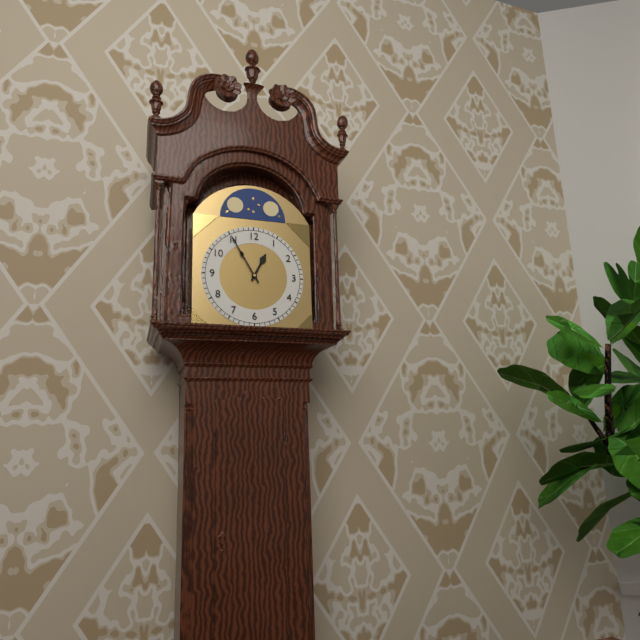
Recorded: h=12 m=55
